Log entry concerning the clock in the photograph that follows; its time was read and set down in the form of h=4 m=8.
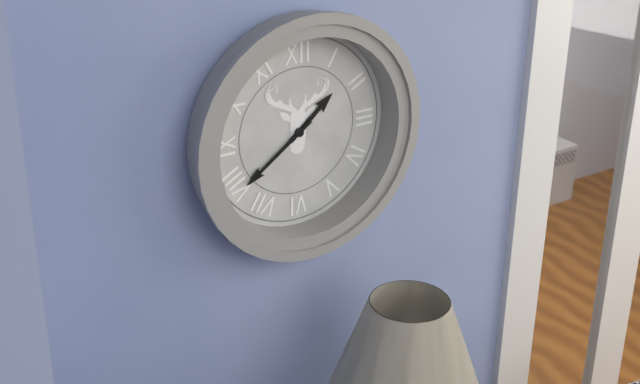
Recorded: h=1 m=39
